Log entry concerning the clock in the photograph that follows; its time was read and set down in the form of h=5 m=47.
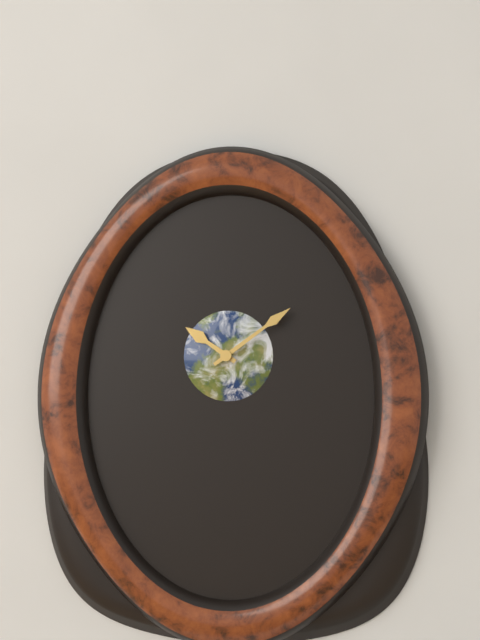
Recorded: h=10 m=9
